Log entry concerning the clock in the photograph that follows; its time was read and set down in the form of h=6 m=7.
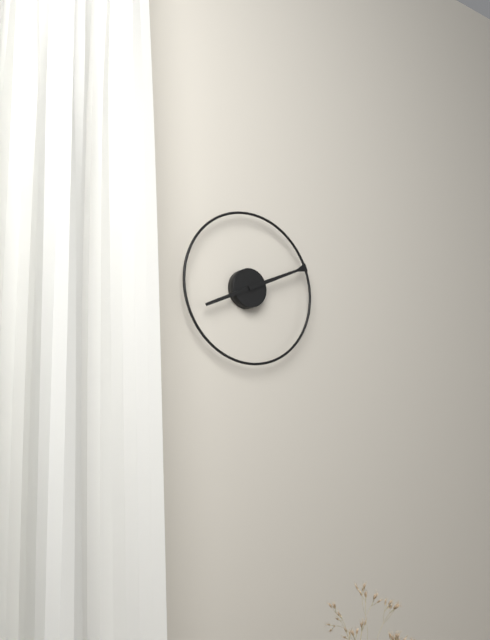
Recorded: h=8 m=11
